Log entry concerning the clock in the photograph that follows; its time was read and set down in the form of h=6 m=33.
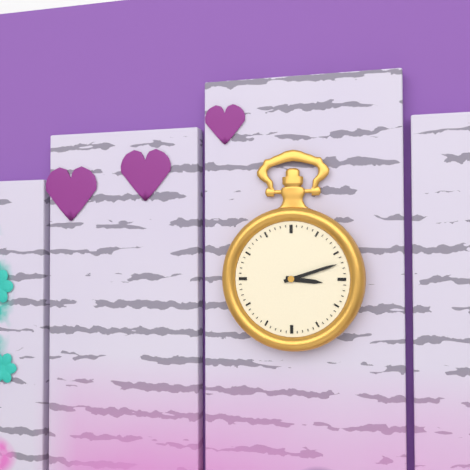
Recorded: h=3 m=12
